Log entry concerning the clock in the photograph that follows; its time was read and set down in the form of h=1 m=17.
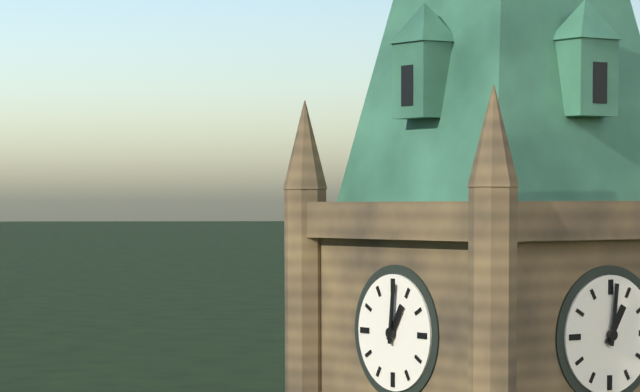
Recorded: h=1 m=1
